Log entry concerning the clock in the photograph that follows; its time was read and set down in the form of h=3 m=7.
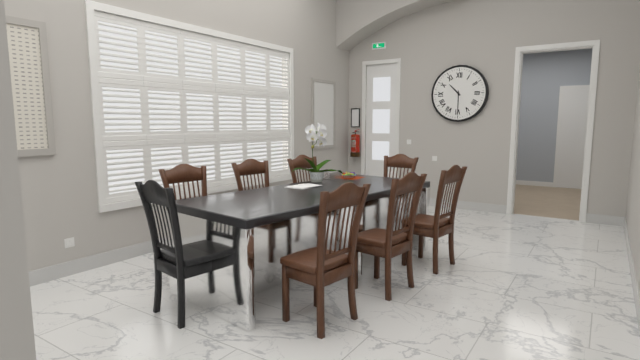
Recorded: h=10 m=30
